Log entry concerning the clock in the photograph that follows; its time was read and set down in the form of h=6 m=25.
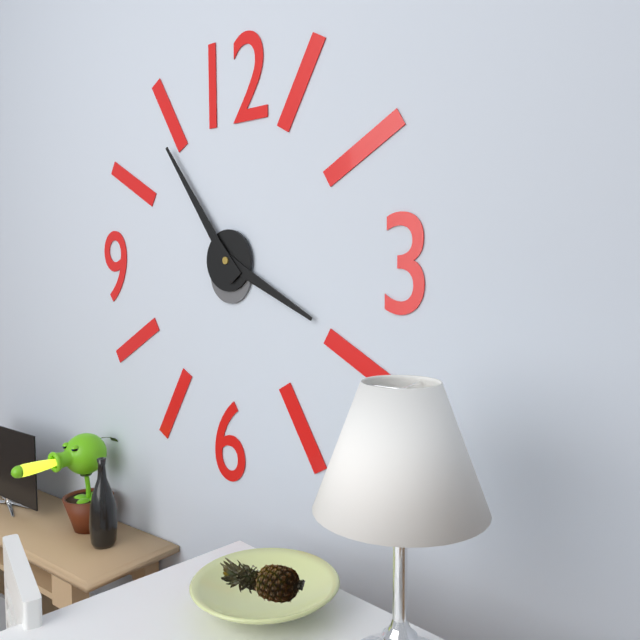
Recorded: h=3 m=54
